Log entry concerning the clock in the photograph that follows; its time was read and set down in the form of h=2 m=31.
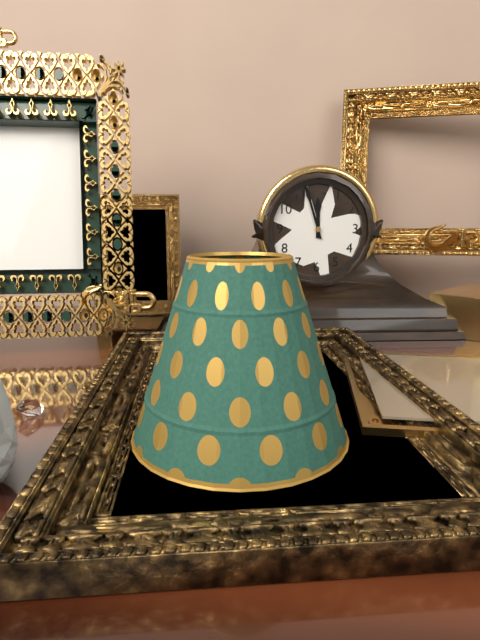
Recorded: h=11 m=57
